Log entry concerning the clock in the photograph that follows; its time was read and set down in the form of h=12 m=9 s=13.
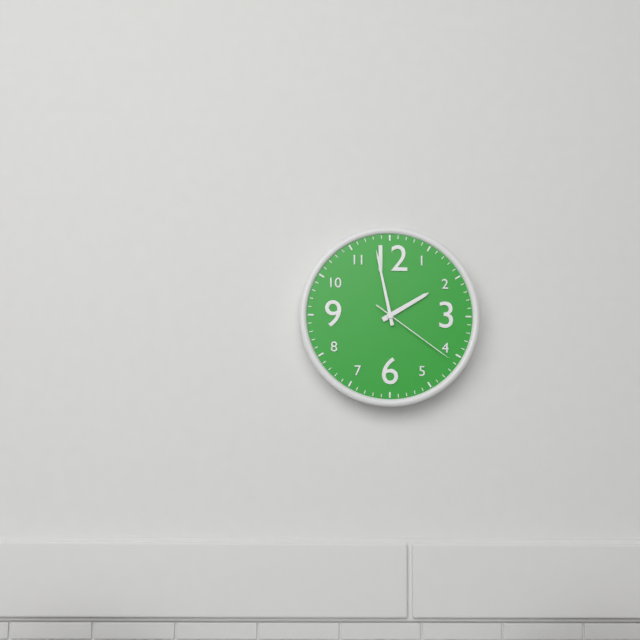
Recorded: h=1 m=58 s=21
